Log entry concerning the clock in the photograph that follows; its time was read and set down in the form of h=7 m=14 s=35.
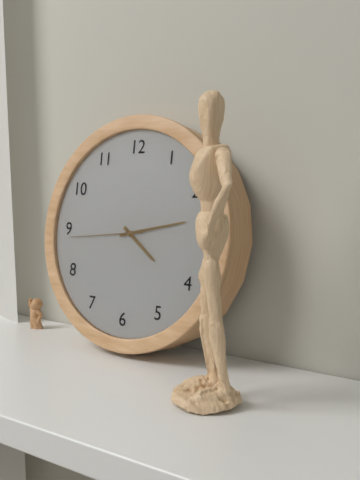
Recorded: h=4 m=13 s=44
